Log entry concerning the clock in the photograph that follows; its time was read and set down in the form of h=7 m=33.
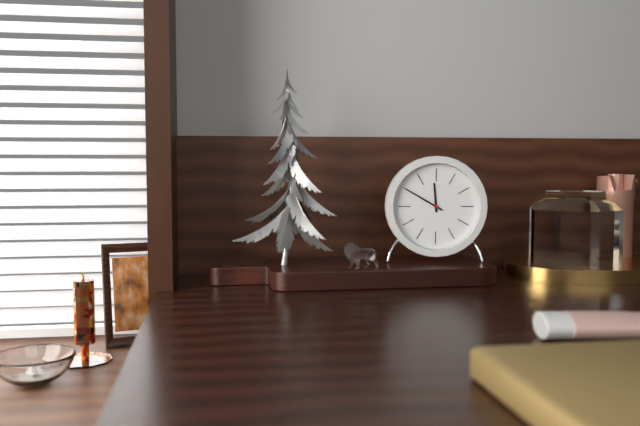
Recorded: h=11 m=50
